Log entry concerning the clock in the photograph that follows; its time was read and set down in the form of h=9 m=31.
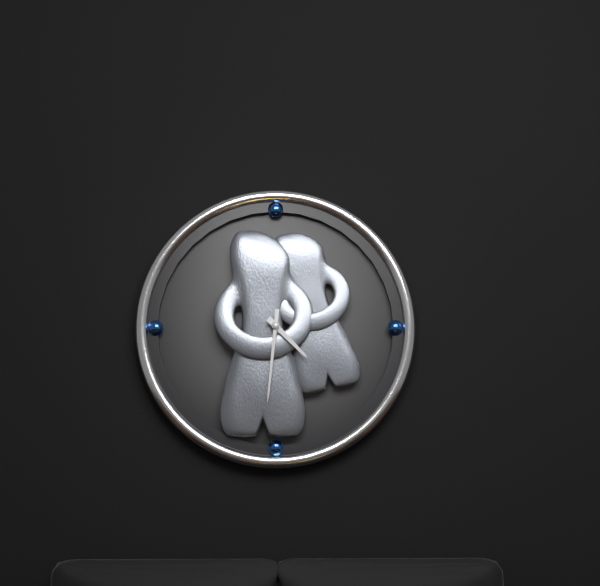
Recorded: h=4 m=31
